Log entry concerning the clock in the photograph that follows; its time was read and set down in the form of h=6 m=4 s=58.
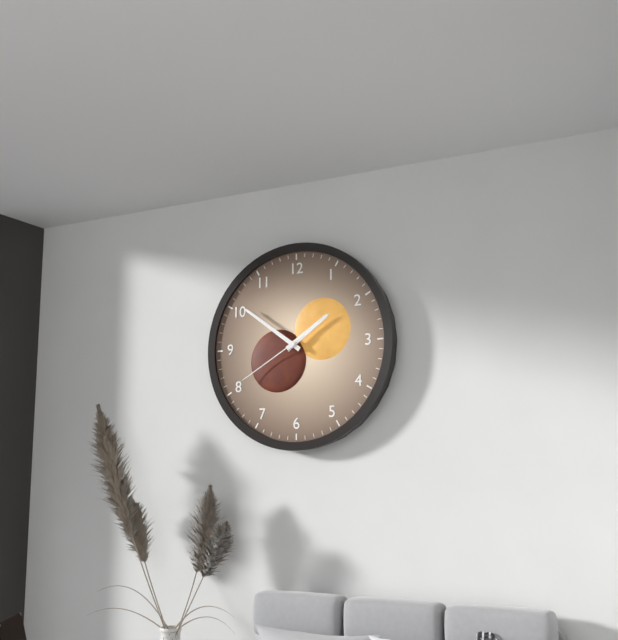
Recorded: h=1 m=51 s=40
